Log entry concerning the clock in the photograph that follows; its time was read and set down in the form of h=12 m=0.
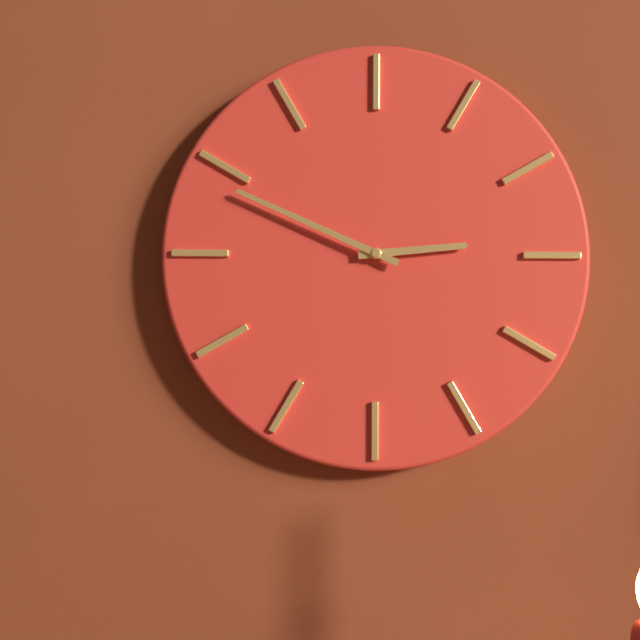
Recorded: h=2 m=49
